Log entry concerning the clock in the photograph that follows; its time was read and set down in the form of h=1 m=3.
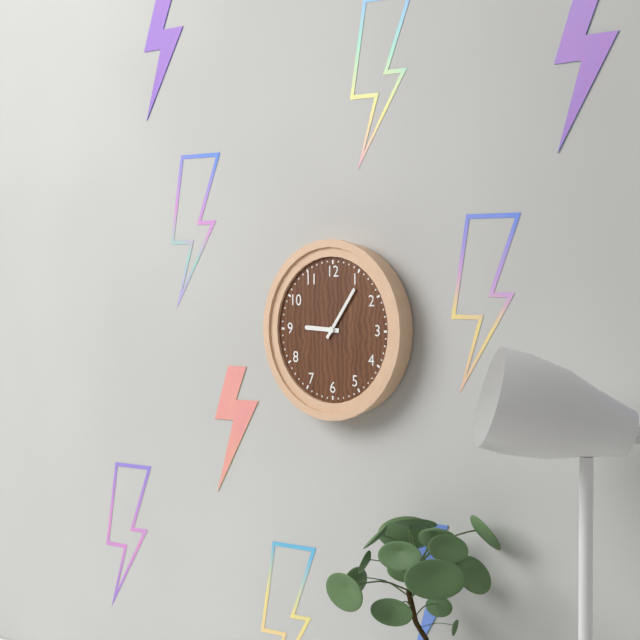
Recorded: h=9 m=6
